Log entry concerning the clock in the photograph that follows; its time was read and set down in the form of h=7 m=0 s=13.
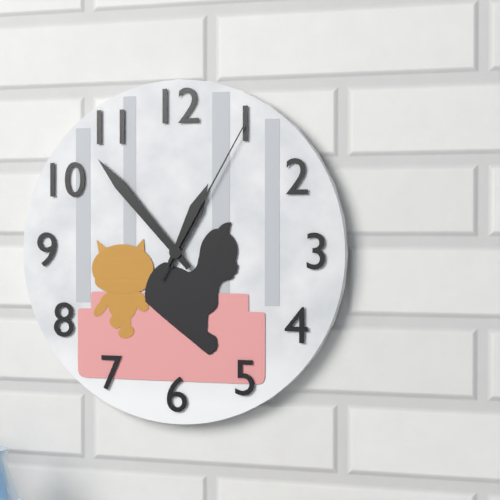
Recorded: h=12 m=53 s=5
